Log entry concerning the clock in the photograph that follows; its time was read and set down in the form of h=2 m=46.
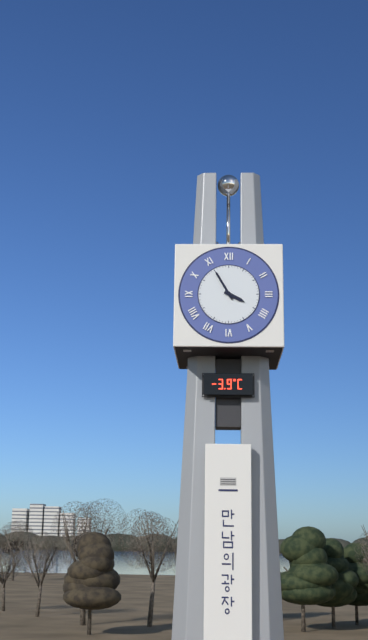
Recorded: h=3 m=55
